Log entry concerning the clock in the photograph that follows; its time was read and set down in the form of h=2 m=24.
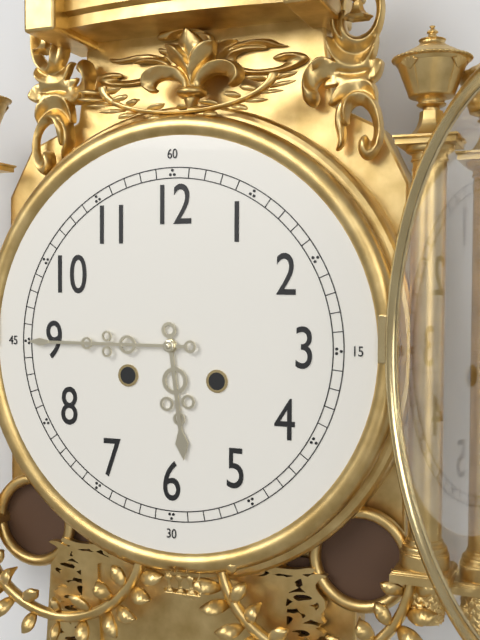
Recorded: h=5 m=45
